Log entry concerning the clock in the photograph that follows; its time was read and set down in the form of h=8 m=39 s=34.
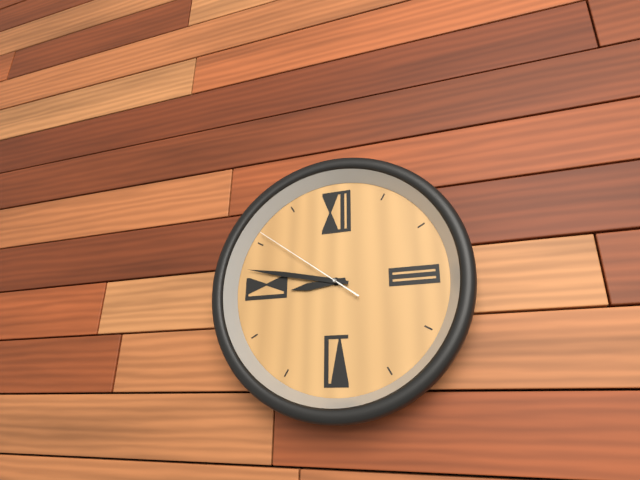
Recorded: h=8 m=47 s=51
